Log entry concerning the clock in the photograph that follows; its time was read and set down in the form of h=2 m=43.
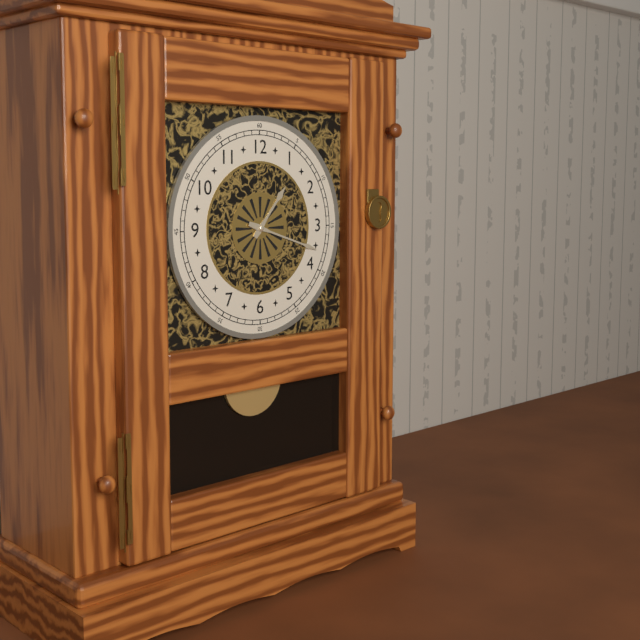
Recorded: h=1 m=18
